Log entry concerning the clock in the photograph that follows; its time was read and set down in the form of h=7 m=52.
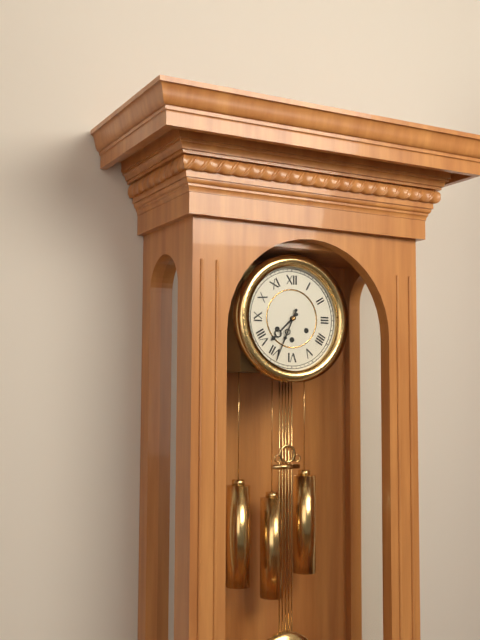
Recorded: h=7 m=34
